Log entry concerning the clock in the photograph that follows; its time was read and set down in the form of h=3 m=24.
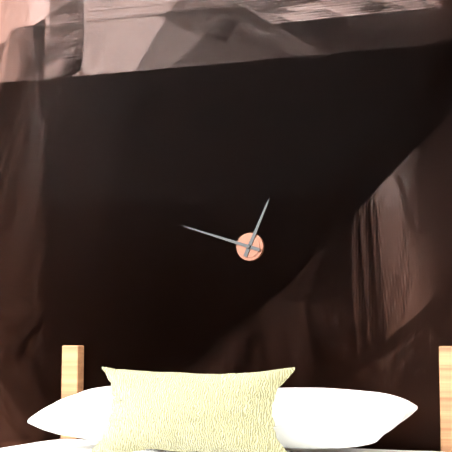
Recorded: h=12 m=48
